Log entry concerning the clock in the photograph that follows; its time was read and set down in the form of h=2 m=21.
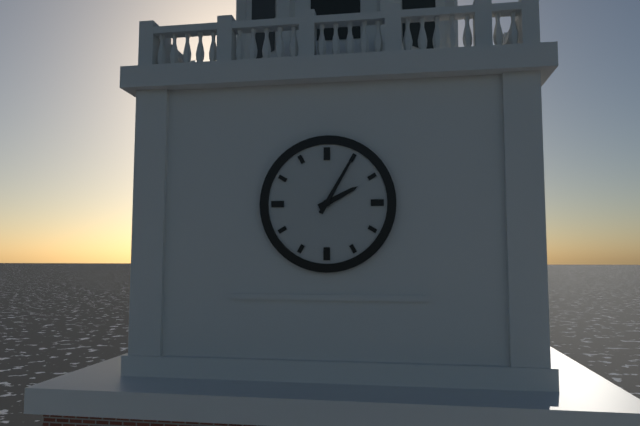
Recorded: h=2 m=5
